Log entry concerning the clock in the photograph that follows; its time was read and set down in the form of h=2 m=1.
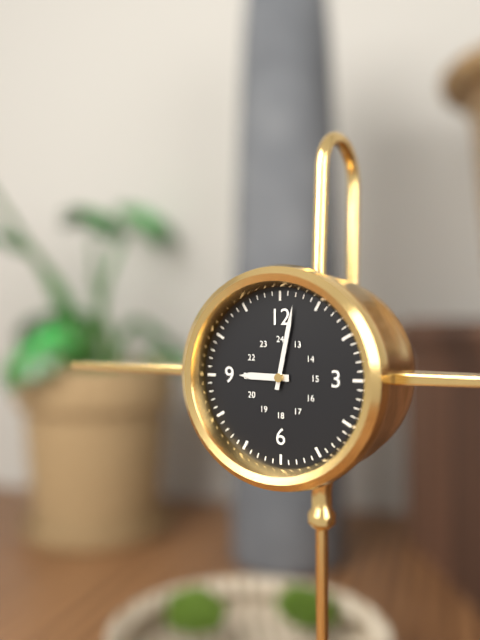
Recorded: h=9 m=2
